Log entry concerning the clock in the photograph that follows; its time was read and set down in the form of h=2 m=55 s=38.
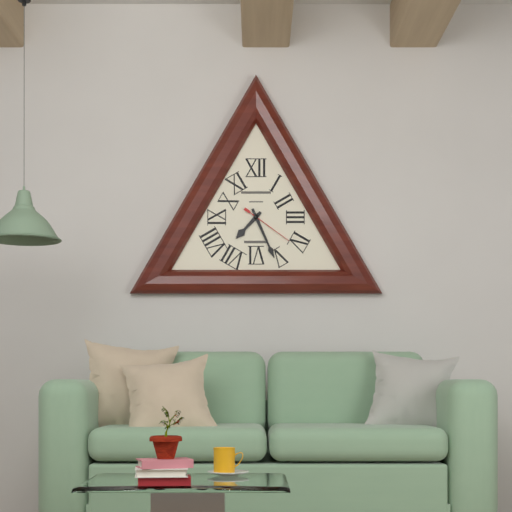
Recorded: h=7 m=26 s=21
